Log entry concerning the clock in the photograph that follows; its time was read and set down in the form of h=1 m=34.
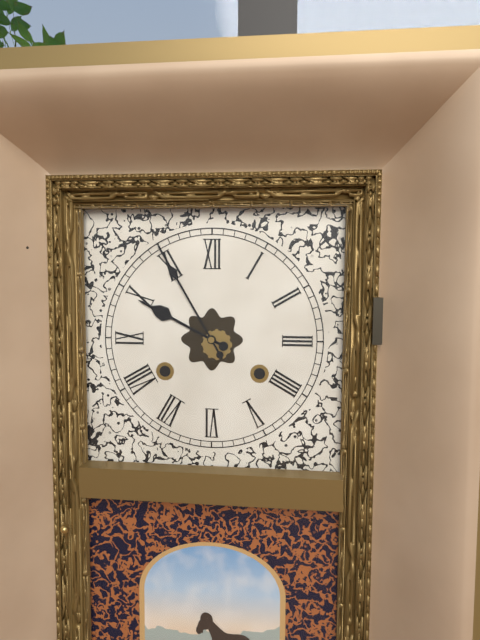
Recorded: h=9 m=55
